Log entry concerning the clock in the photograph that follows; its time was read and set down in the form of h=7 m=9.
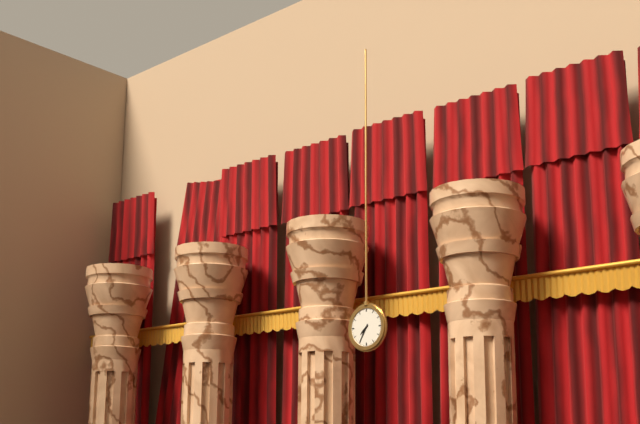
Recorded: h=7 m=35
